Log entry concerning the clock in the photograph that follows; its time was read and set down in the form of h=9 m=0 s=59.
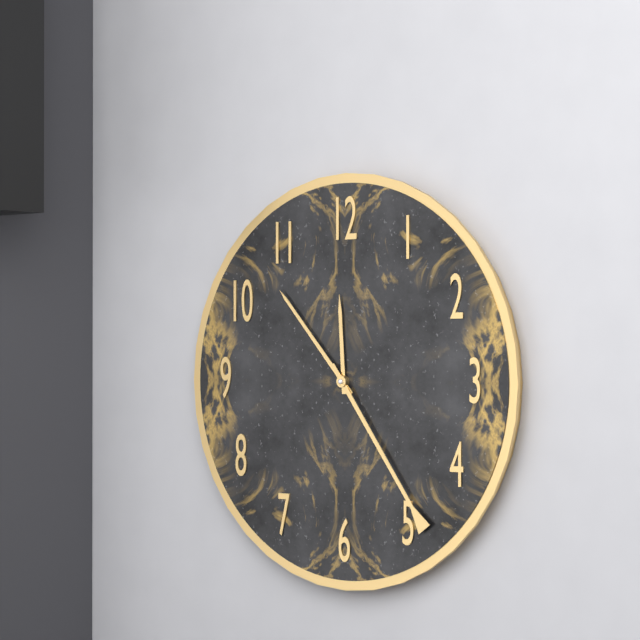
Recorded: h=11 m=53 s=24
